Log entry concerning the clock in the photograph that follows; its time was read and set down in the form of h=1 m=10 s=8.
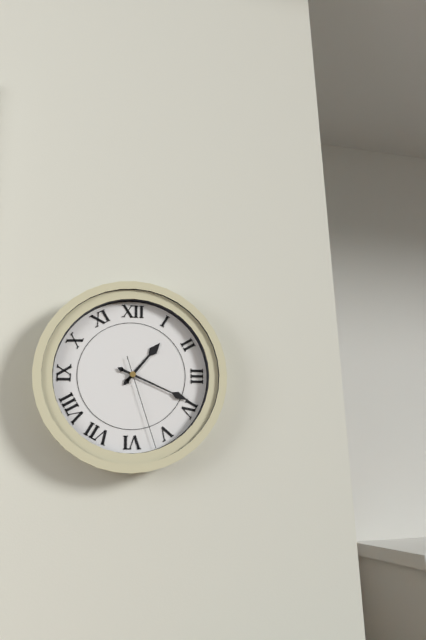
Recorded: h=1 m=19 s=27
